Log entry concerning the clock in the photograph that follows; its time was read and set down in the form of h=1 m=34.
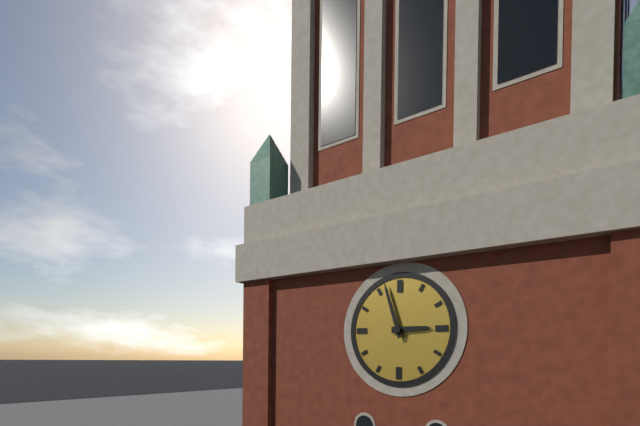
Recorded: h=2 m=57
